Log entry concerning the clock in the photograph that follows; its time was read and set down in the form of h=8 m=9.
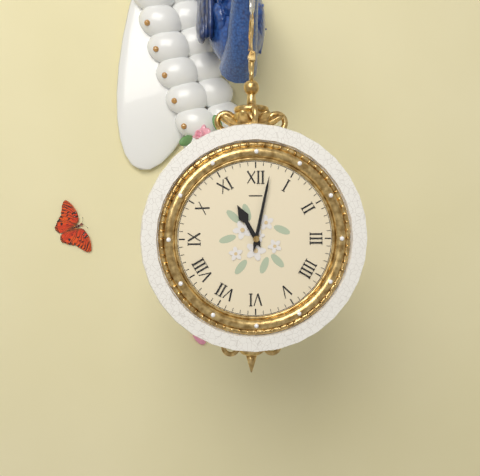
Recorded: h=11 m=2
